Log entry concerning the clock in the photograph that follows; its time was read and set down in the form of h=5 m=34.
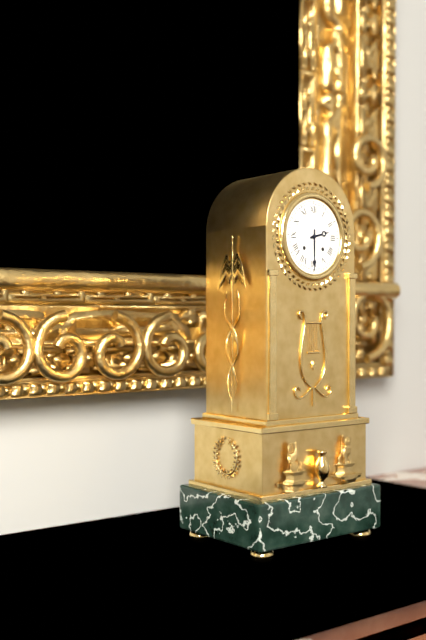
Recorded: h=2 m=30
